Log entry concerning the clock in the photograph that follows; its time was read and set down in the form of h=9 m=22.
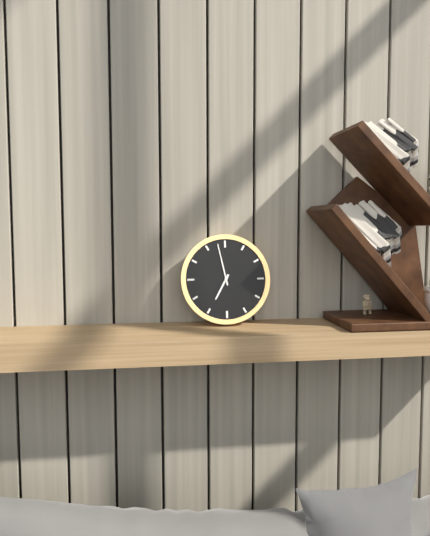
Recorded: h=6 m=58
